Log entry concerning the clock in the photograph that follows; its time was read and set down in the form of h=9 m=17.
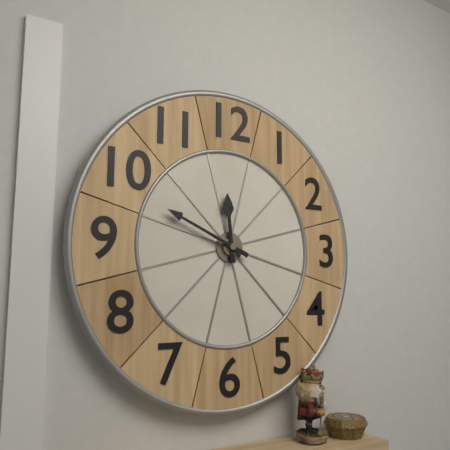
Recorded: h=11 m=49
